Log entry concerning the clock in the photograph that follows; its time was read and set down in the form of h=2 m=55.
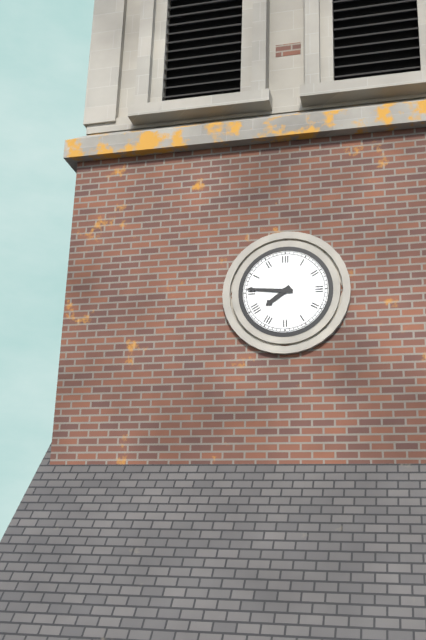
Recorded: h=7 m=46
